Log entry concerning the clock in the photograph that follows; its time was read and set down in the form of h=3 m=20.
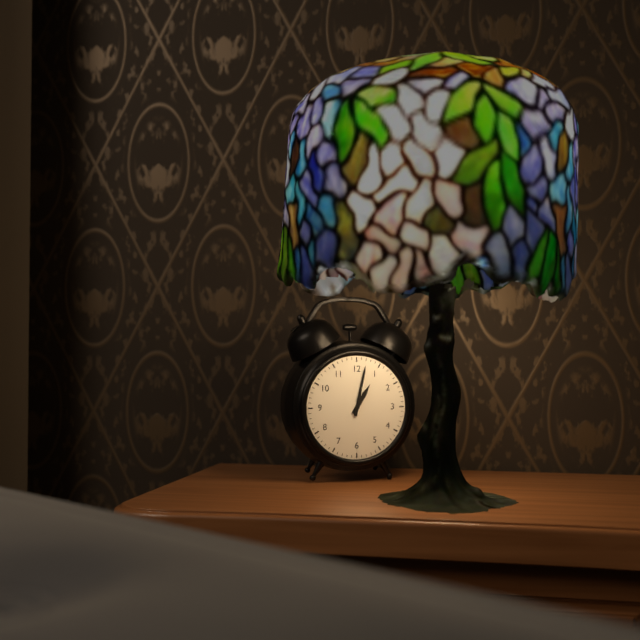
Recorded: h=1 m=2
